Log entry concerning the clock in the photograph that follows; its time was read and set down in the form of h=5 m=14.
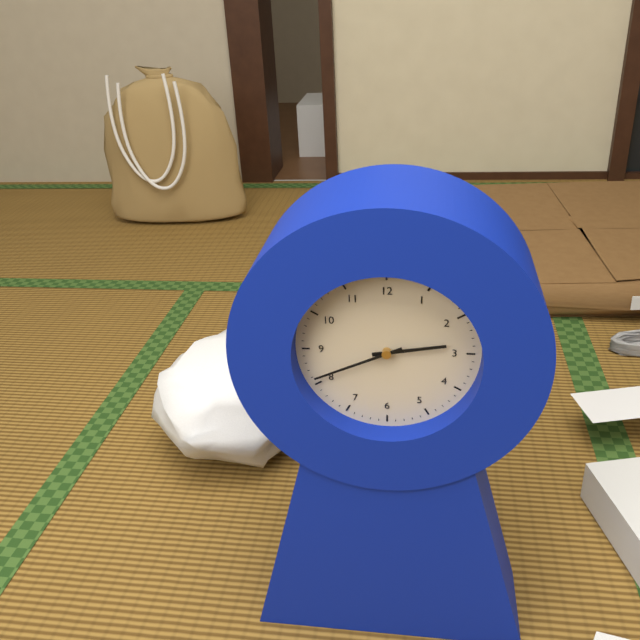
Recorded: h=2 m=41
